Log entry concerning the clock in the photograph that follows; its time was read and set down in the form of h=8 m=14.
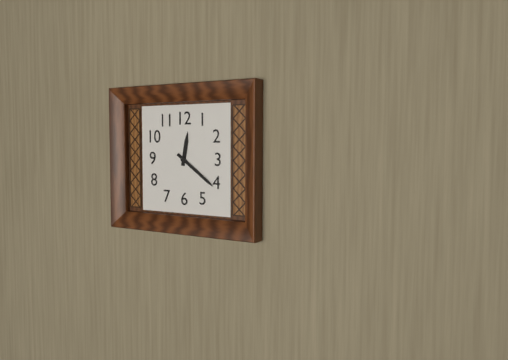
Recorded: h=12 m=21
